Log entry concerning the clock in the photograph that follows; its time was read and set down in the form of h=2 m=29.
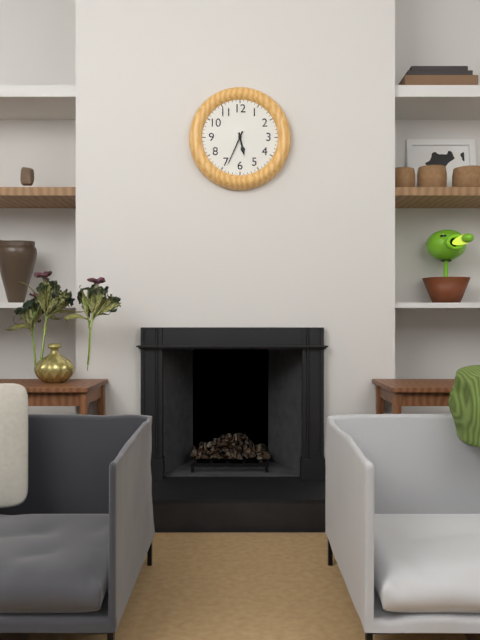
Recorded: h=5 m=34
